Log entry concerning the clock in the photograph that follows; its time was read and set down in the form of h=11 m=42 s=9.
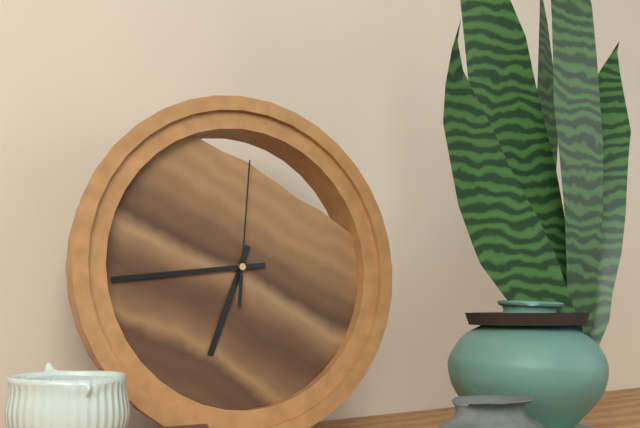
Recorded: h=6 m=44 s=1
